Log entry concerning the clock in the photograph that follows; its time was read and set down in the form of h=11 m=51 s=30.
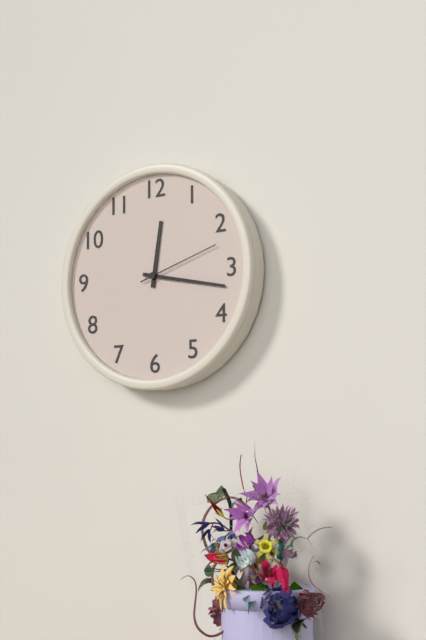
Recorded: h=12 m=17 s=12
